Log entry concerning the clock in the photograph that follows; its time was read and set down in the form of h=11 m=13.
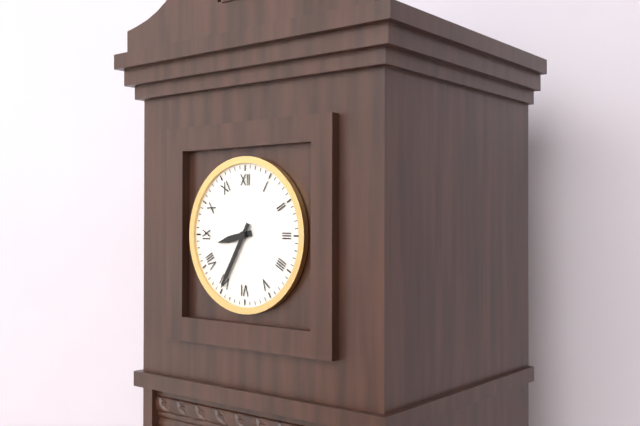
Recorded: h=8 m=35
